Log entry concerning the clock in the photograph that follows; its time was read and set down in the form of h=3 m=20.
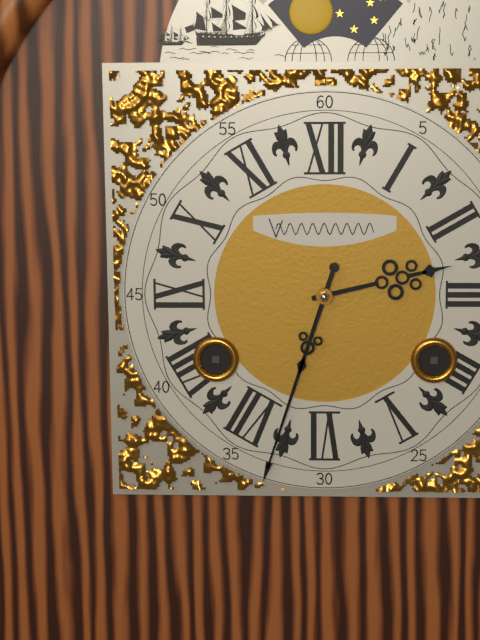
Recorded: h=2 m=33
